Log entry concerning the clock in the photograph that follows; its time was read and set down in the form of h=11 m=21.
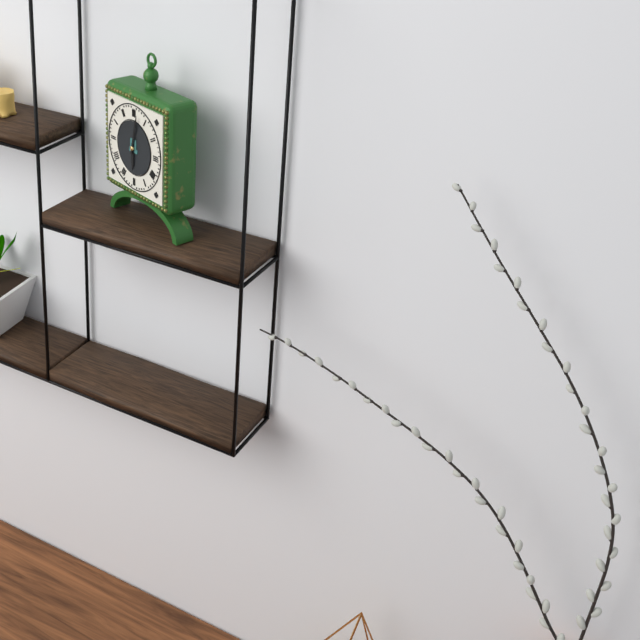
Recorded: h=6 m=2
